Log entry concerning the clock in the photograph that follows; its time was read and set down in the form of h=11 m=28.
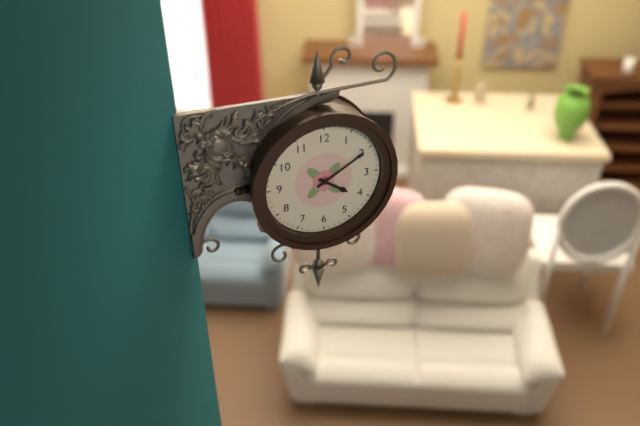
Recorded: h=4 m=10
